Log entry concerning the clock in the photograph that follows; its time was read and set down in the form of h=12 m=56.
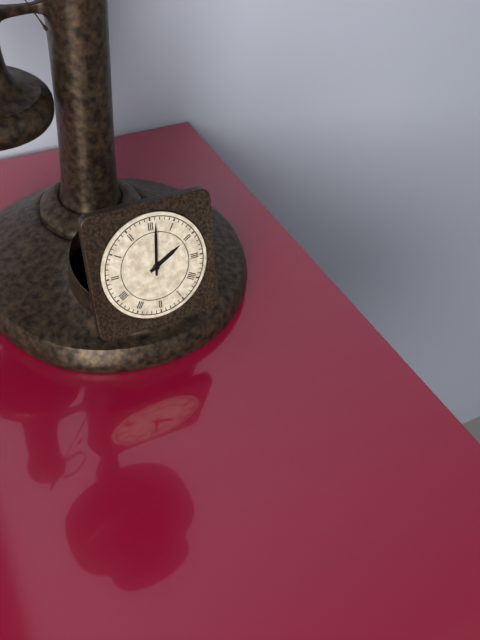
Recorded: h=2 m=1
